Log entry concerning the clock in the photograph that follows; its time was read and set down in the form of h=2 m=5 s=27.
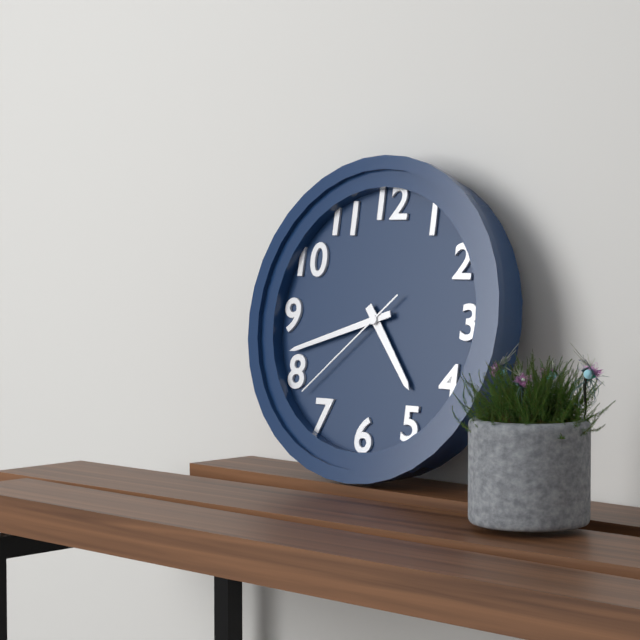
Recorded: h=4 m=42 s=38
